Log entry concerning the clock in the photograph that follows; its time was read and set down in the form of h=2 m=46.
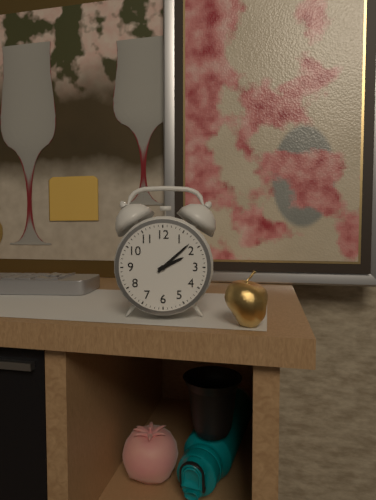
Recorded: h=2 m=8
